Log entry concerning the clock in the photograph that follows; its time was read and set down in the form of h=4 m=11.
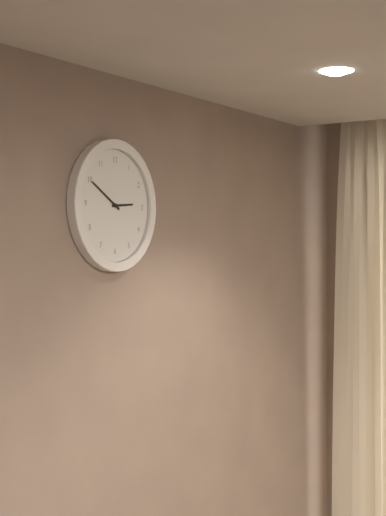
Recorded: h=2 m=50
